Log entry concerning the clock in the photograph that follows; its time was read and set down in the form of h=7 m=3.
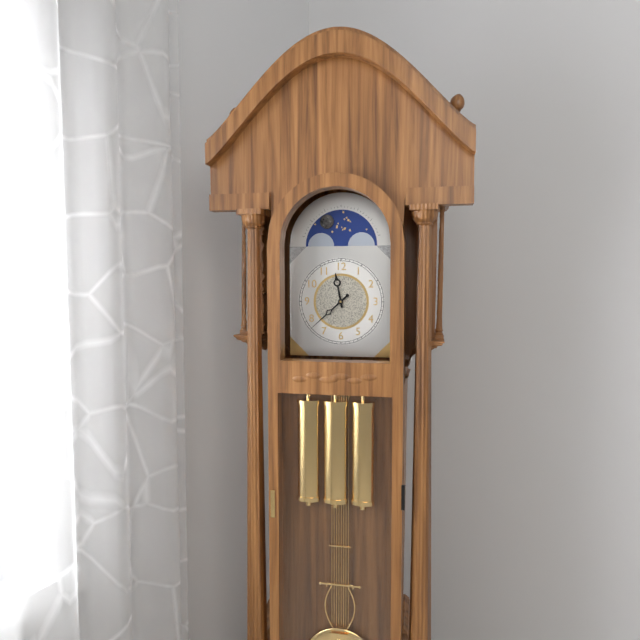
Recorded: h=11 m=38
